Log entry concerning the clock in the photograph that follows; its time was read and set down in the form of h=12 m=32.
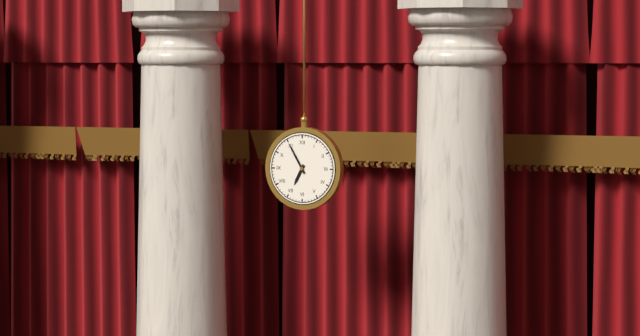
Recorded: h=6 m=55
